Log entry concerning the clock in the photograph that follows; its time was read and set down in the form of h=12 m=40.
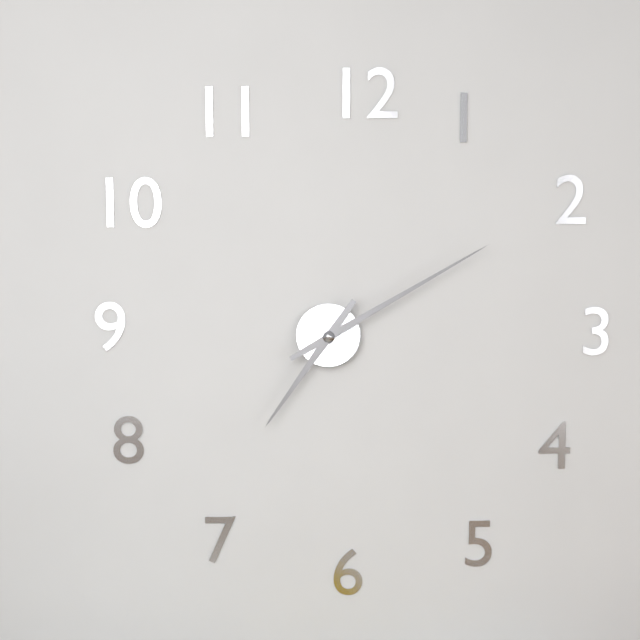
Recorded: h=7 m=10
